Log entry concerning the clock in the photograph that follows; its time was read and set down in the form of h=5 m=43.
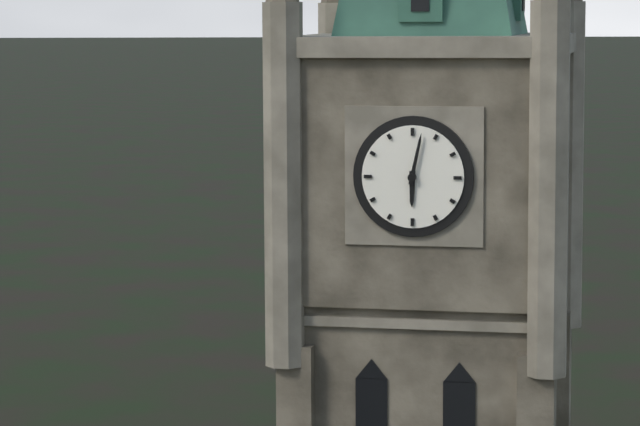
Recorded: h=6 m=2
